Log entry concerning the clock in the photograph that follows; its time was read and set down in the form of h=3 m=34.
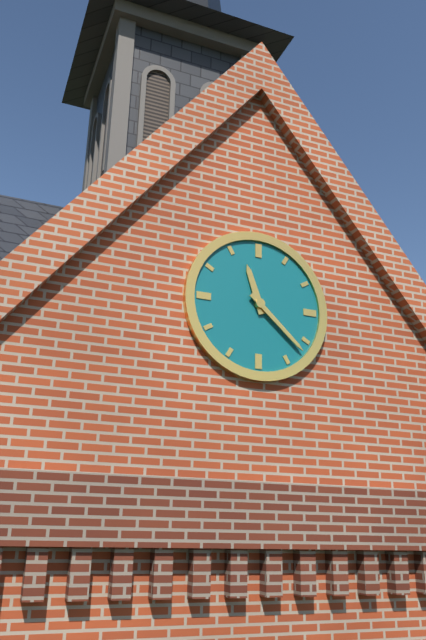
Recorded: h=11 m=22
